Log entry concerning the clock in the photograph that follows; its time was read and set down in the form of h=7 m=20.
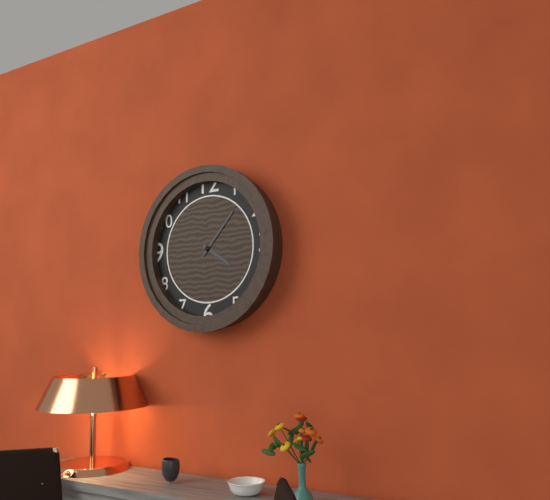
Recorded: h=4 m=7
